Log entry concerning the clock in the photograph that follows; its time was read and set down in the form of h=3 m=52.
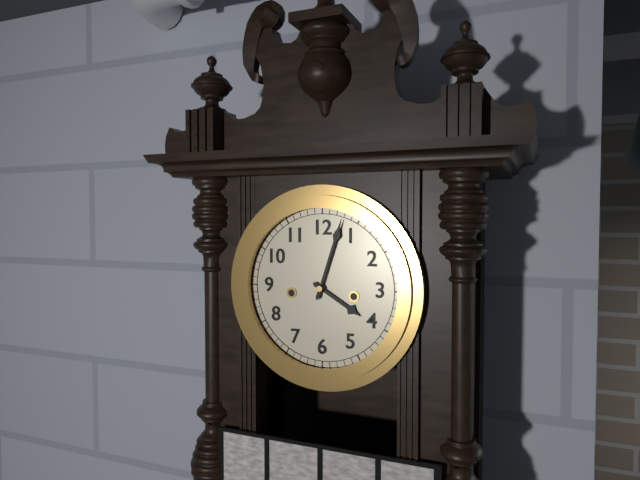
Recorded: h=4 m=3
